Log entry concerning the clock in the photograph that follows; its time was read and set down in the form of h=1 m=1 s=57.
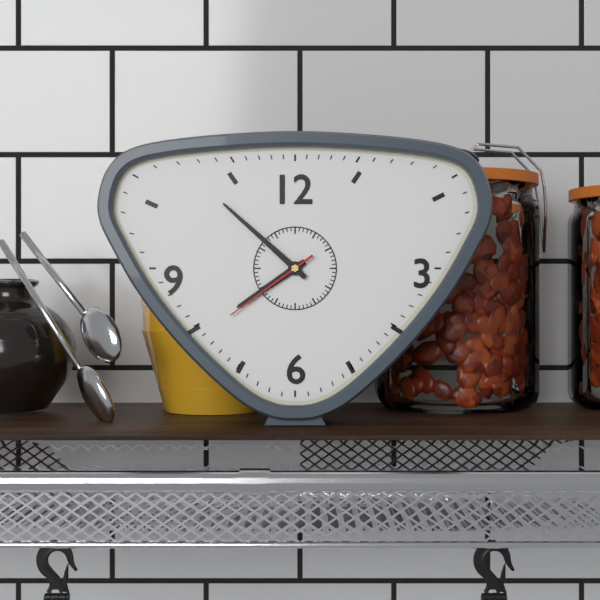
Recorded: h=7 m=52 s=39
